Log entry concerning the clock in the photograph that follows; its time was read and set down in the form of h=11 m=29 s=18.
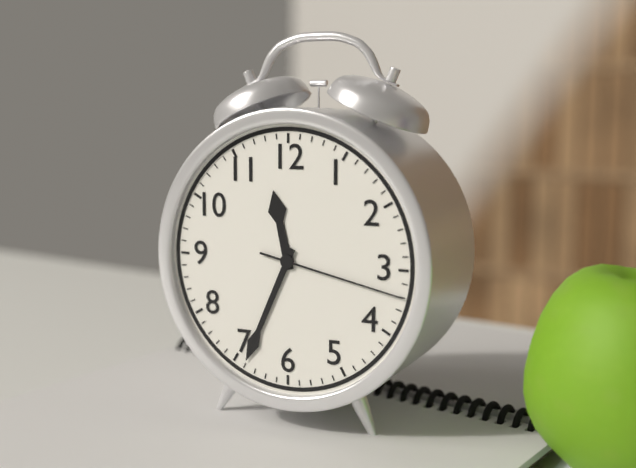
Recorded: h=11 m=34 s=17
